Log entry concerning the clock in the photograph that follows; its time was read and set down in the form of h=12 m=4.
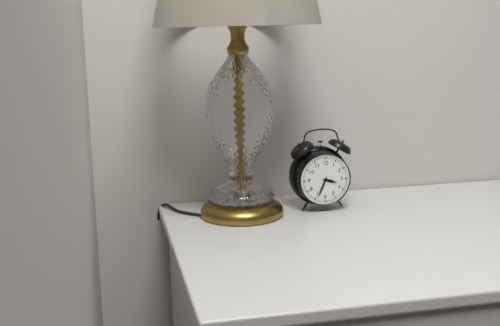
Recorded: h=3 m=34
